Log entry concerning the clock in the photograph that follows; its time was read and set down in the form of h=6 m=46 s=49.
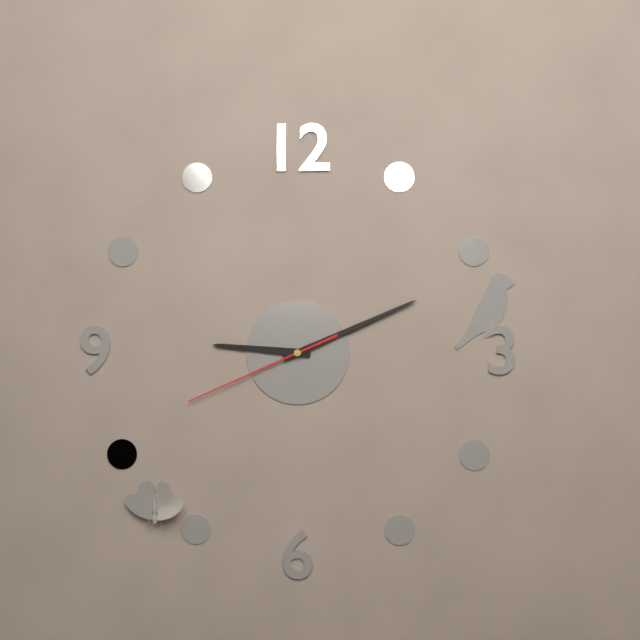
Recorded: h=9 m=11 s=41
